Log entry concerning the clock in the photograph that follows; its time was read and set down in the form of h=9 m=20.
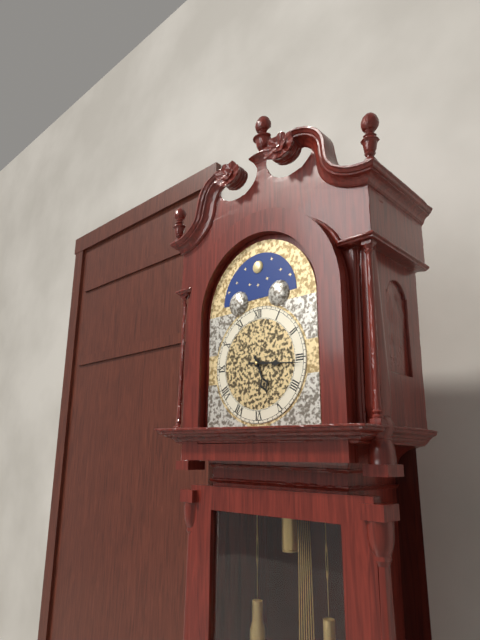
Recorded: h=5 m=16
